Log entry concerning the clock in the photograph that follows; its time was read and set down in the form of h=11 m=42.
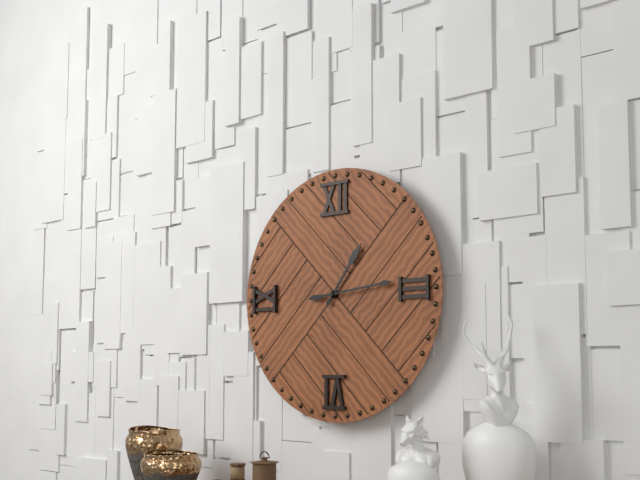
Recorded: h=1 m=14
